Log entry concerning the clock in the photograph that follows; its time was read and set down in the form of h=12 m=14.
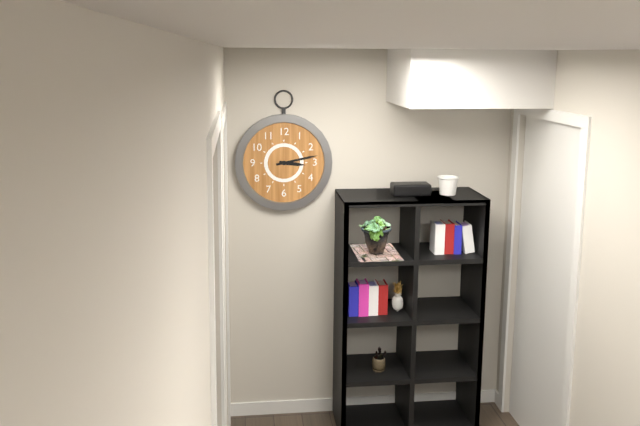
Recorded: h=3 m=13
